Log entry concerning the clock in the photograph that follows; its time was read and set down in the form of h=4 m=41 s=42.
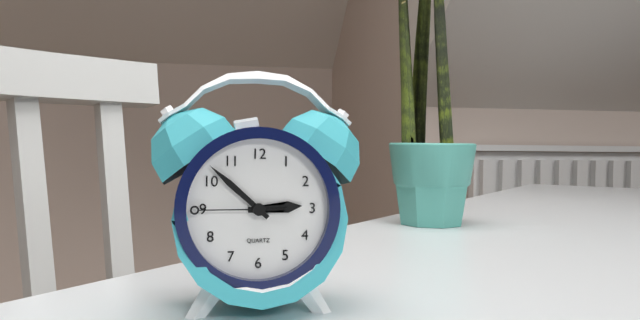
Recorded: h=2 m=52 s=45
